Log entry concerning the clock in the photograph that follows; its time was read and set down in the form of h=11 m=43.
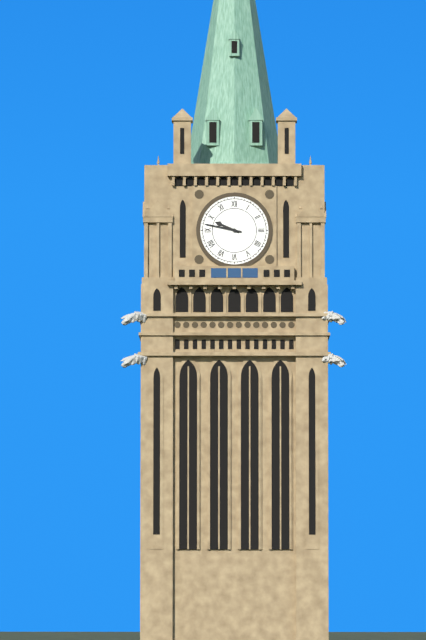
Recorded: h=9 m=47
